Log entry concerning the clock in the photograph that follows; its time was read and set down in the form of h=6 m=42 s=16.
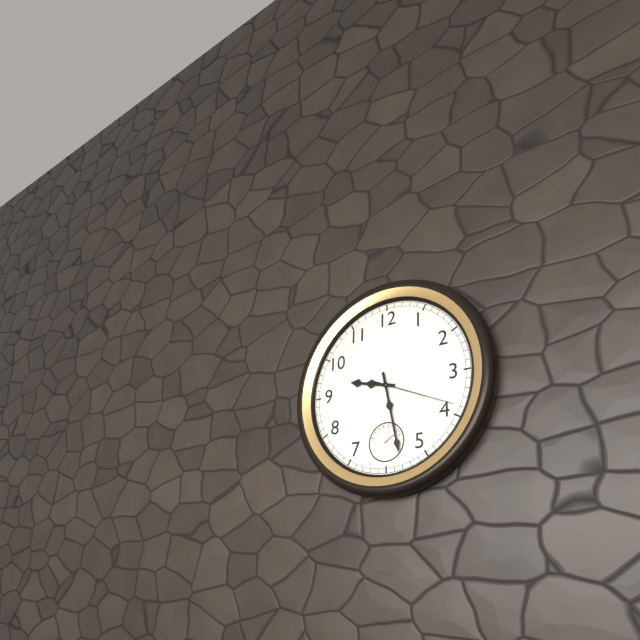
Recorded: h=9 m=28 s=19
